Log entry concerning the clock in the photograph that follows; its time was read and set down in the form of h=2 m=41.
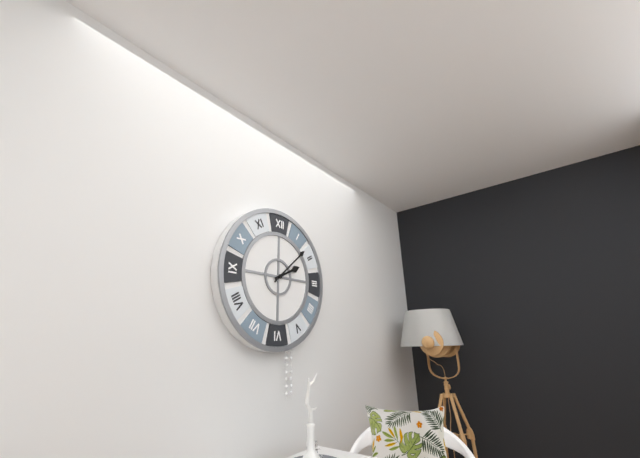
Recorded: h=2 m=8
